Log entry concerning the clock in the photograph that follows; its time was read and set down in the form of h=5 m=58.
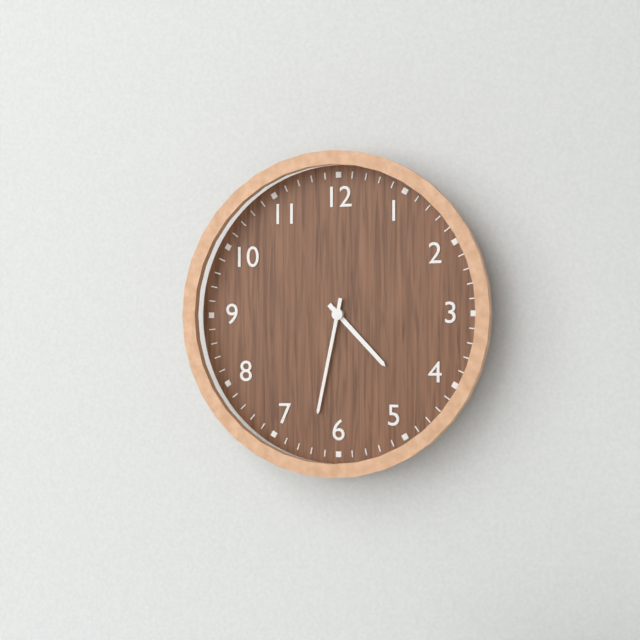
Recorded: h=4 m=32
